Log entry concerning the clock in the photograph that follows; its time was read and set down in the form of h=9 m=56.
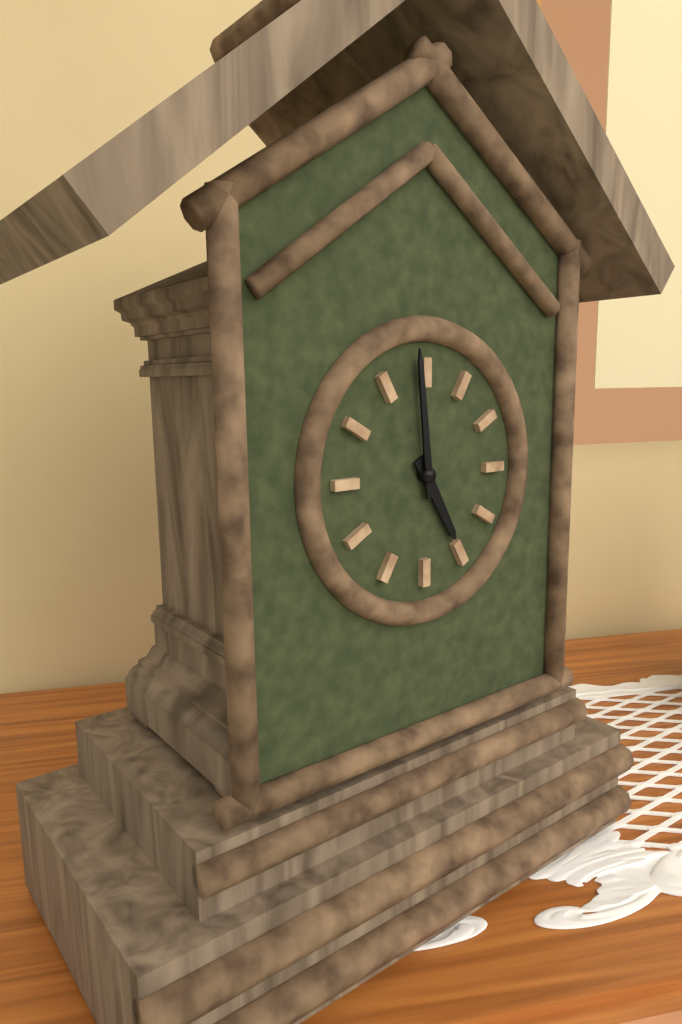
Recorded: h=4 m=59
